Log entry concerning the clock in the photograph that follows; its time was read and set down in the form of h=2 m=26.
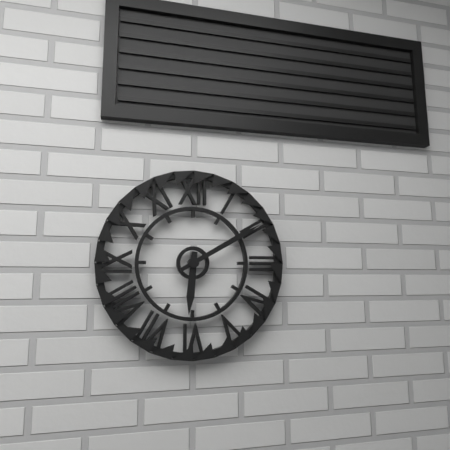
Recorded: h=6 m=10
